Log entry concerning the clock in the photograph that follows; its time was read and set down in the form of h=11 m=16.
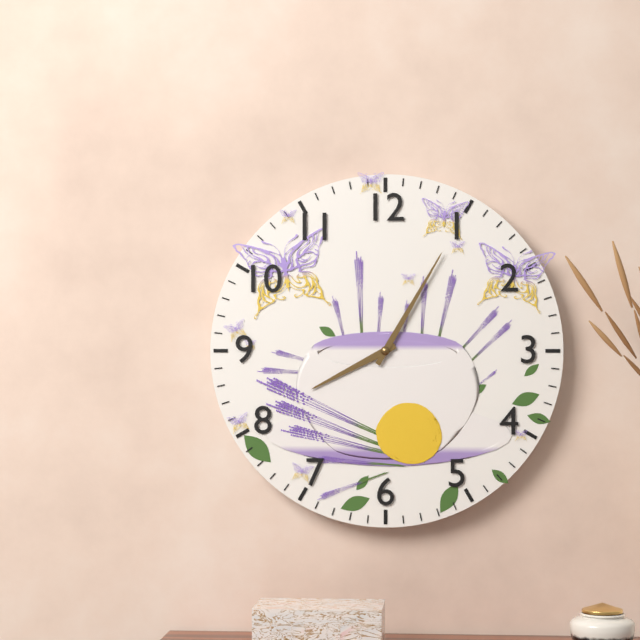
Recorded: h=8 m=5
